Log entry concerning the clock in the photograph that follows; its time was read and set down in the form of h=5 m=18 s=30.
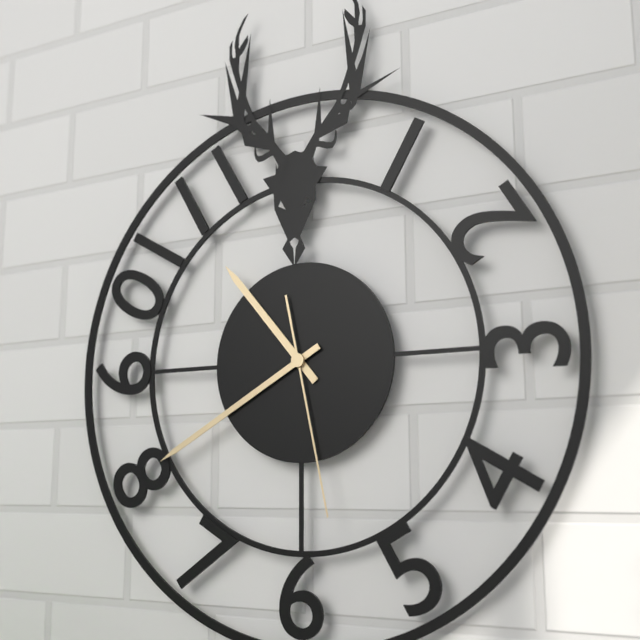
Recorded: h=10 m=40 s=28
